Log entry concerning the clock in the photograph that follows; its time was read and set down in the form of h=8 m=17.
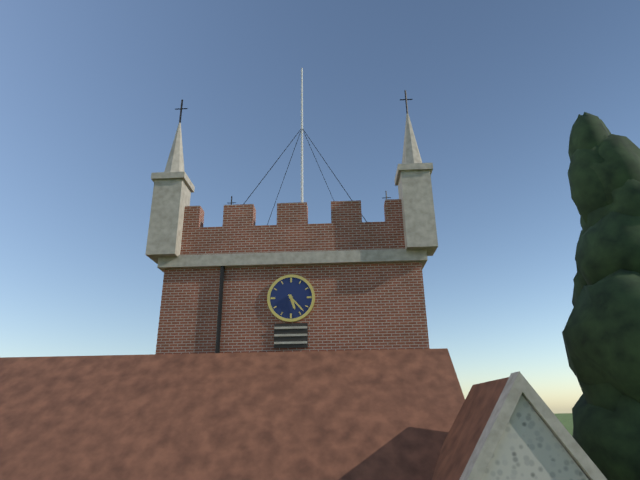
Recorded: h=5 m=23
